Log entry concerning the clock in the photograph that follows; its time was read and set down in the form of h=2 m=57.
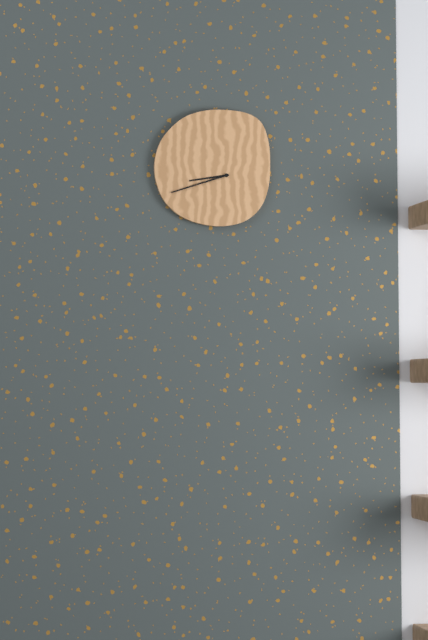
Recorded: h=8 m=42
